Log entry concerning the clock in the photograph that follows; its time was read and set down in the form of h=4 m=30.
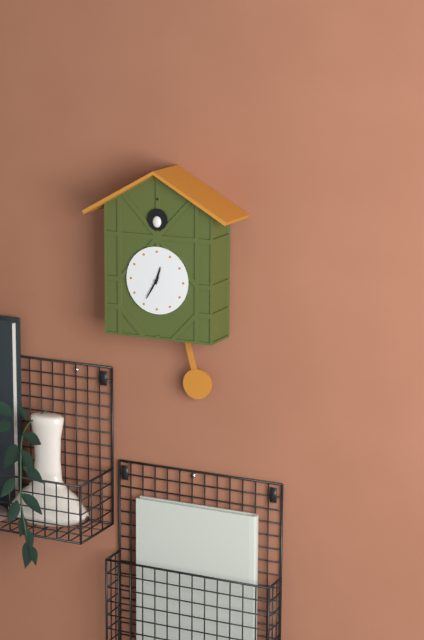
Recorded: h=12 m=35
